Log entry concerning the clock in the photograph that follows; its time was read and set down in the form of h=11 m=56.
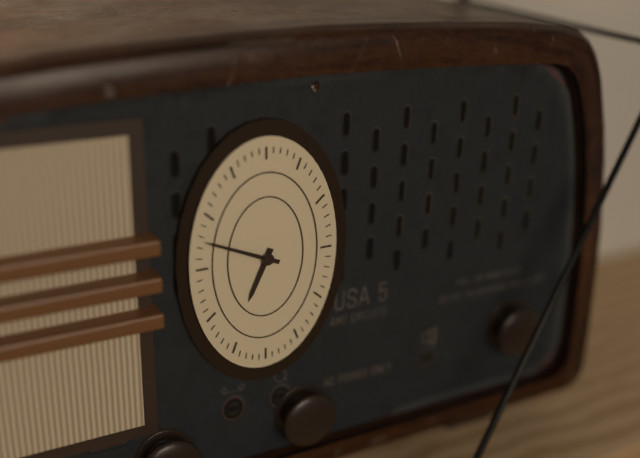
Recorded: h=6 m=49
